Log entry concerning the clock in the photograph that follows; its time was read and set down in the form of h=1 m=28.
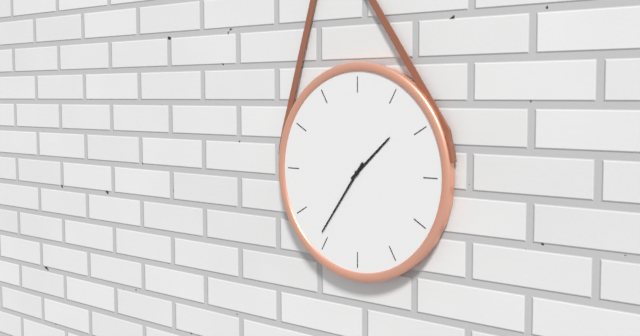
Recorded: h=1 m=36
